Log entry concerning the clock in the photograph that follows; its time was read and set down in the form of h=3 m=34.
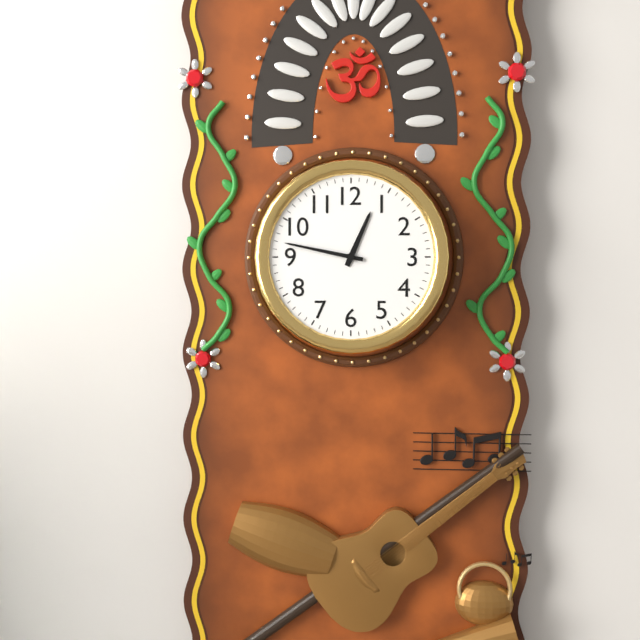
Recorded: h=12 m=47
